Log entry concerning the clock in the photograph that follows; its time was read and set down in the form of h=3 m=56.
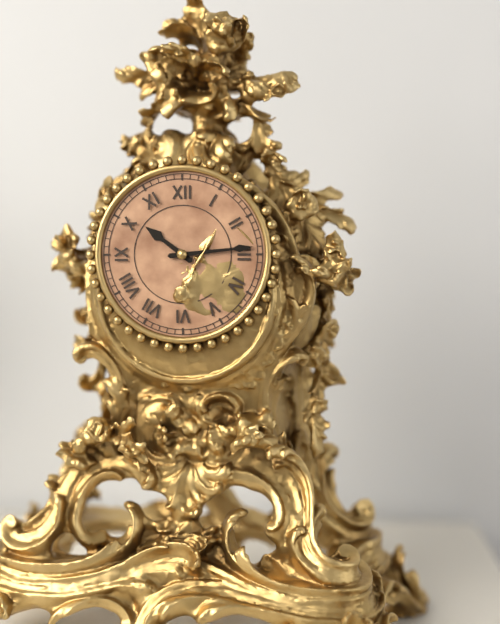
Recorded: h=10 m=14
